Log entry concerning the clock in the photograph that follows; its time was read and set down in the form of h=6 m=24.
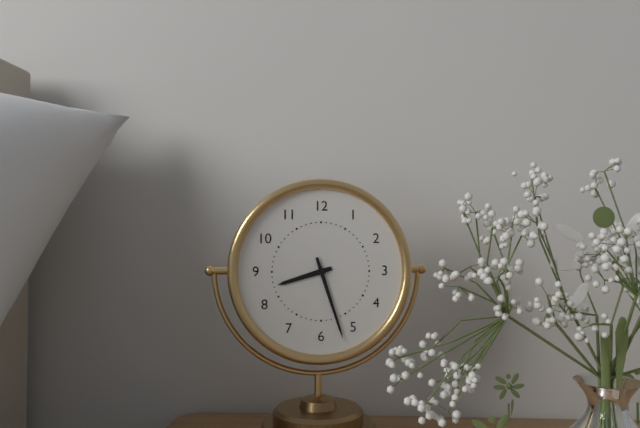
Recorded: h=8 m=27
